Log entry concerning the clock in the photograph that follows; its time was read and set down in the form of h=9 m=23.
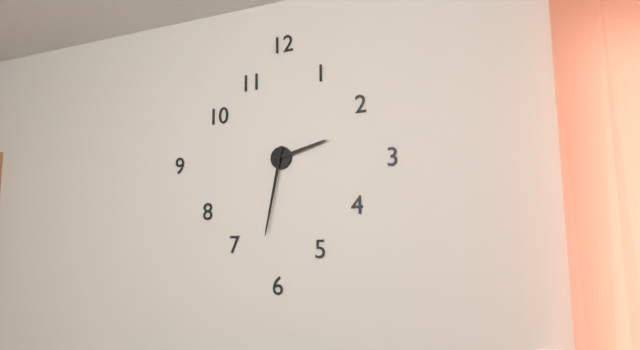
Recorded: h=2 m=32
